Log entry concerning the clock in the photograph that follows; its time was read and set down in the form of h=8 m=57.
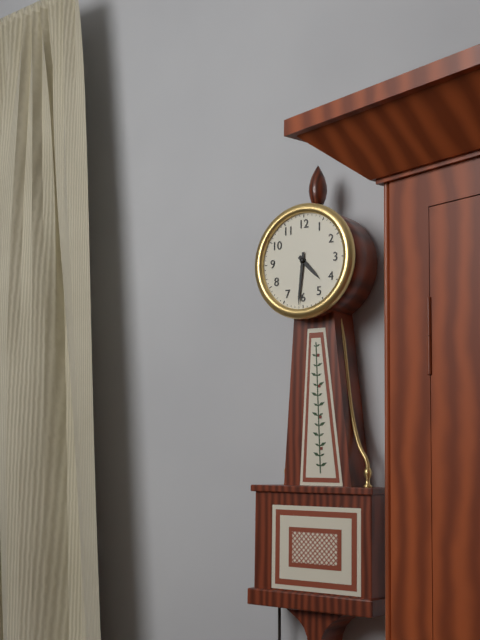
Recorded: h=4 m=31
